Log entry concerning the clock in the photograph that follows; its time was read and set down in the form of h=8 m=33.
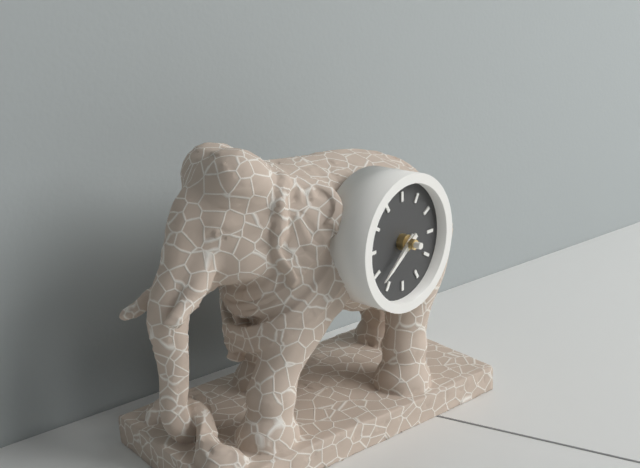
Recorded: h=7 m=39
